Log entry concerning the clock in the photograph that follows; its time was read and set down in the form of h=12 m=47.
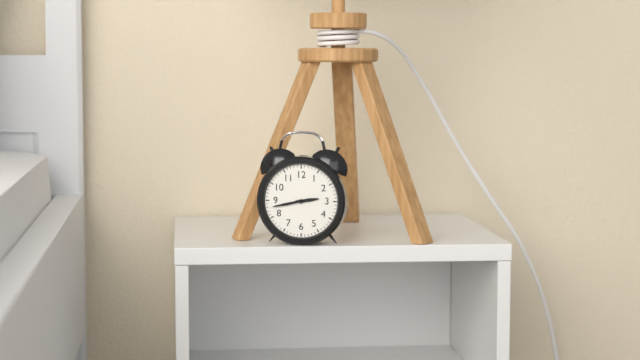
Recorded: h=2 m=43
